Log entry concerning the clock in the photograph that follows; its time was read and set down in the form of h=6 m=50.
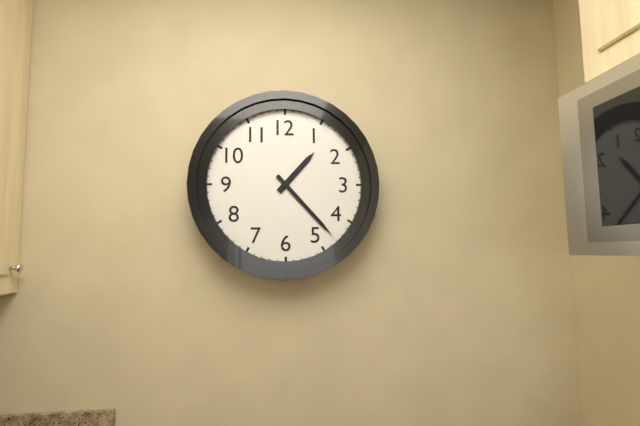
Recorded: h=1 m=23
